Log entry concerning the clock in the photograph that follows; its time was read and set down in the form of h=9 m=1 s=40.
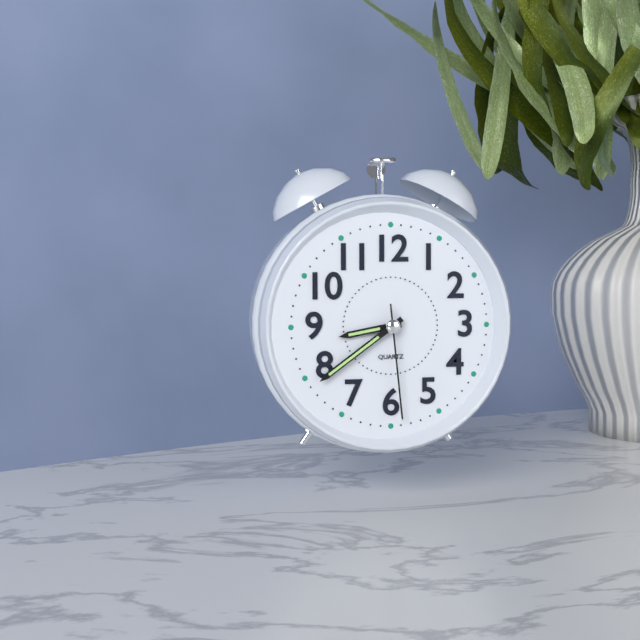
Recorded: h=8 m=39 s=29
